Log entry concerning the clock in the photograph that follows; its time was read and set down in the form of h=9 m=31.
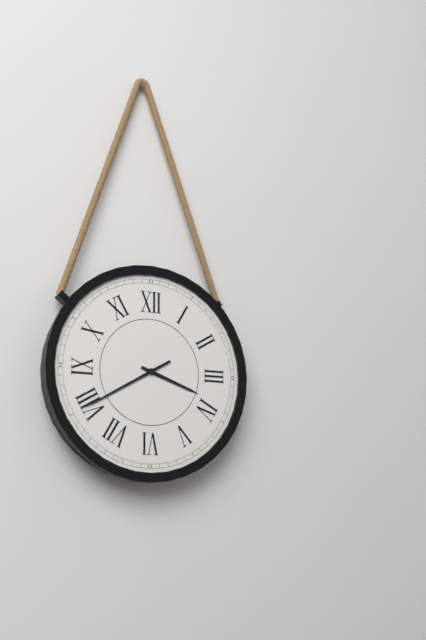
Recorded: h=3 m=40
